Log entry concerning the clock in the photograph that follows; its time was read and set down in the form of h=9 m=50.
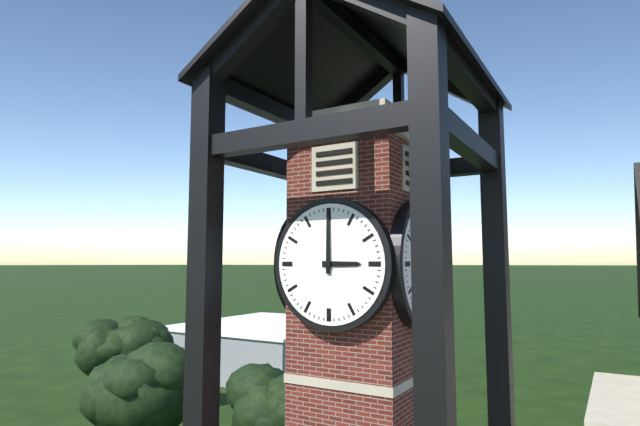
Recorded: h=3 m=0
